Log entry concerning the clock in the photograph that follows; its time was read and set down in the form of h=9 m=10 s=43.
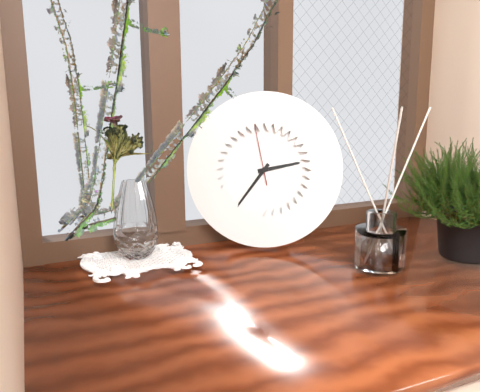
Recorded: h=2 m=36 s=58
